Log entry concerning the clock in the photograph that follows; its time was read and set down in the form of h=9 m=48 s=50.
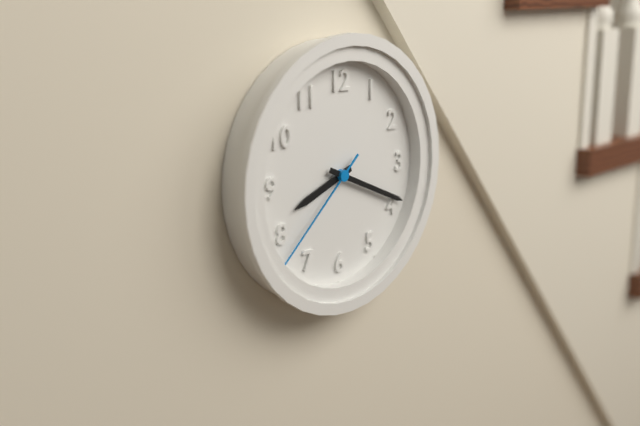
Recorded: h=8 m=19 s=38
